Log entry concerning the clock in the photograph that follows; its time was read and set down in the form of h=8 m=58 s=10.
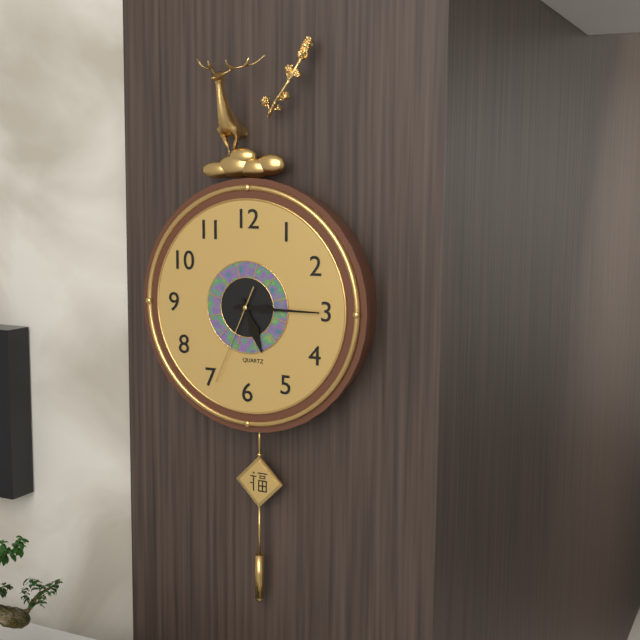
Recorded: h=5 m=15 s=34
